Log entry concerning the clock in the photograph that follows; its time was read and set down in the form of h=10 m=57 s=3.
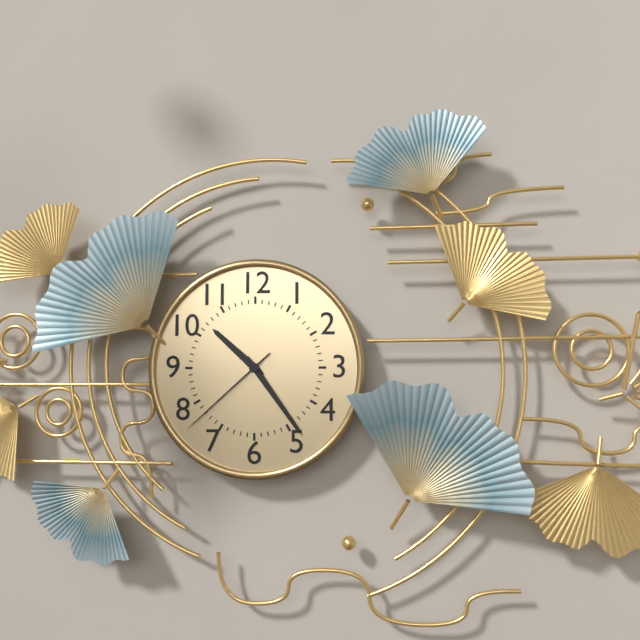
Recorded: h=10 m=24 s=38
